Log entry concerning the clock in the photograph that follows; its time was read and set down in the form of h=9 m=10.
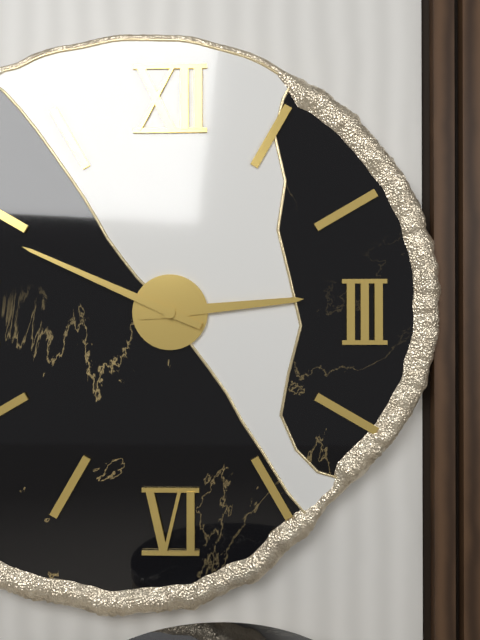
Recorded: h=2 m=49
